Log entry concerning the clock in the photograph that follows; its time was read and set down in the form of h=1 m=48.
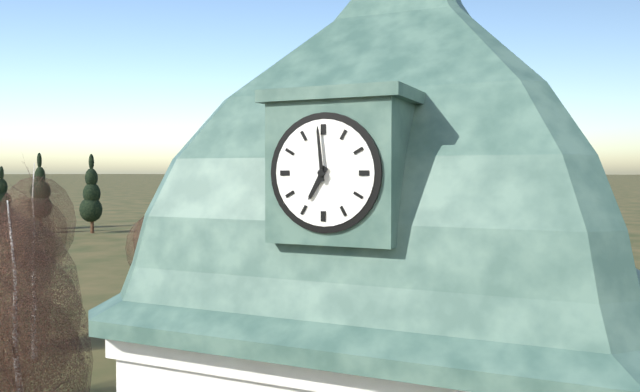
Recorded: h=6 m=59
